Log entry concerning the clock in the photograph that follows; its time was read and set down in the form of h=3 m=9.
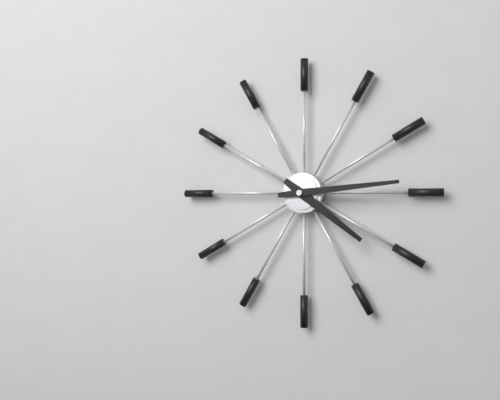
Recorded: h=4 m=14
